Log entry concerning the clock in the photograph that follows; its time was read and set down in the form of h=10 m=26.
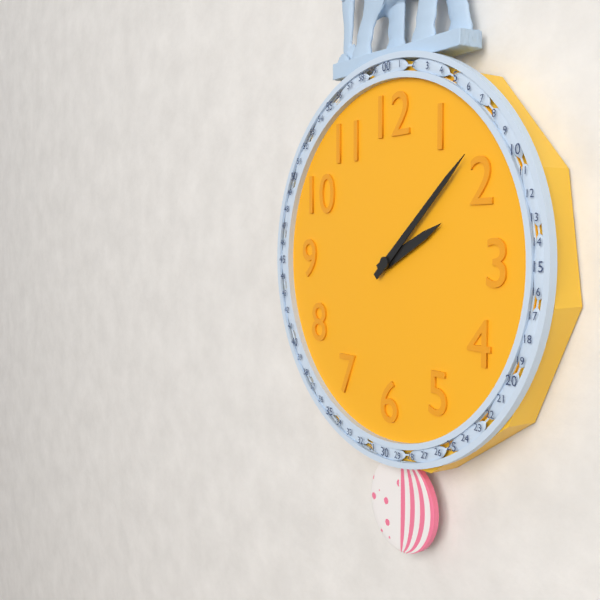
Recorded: h=2 m=8
